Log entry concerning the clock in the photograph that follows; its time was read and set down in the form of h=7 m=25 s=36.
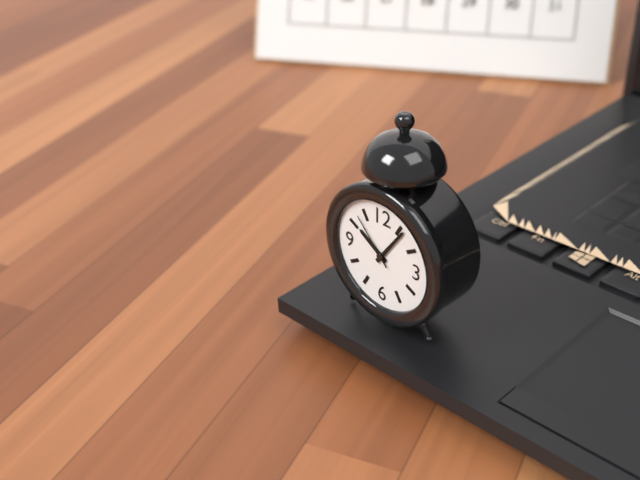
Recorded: h=10 m=6 s=53
